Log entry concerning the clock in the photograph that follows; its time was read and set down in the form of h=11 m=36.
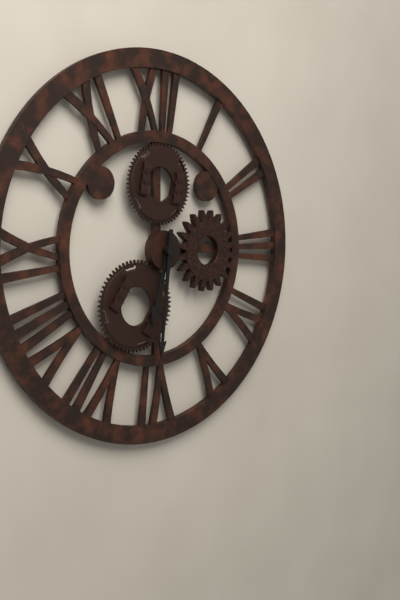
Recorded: h=6 m=31
